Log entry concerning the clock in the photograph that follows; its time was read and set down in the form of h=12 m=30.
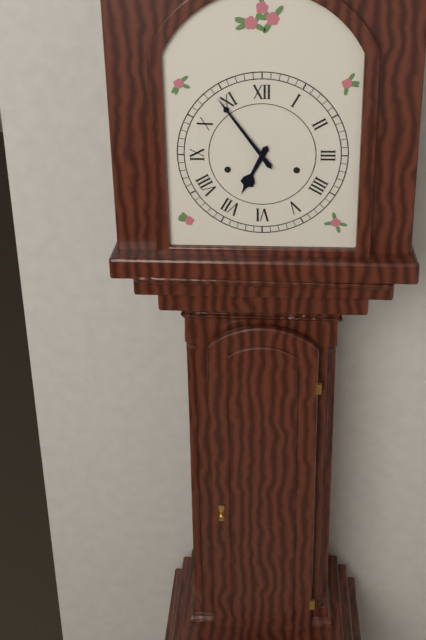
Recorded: h=6 m=54
